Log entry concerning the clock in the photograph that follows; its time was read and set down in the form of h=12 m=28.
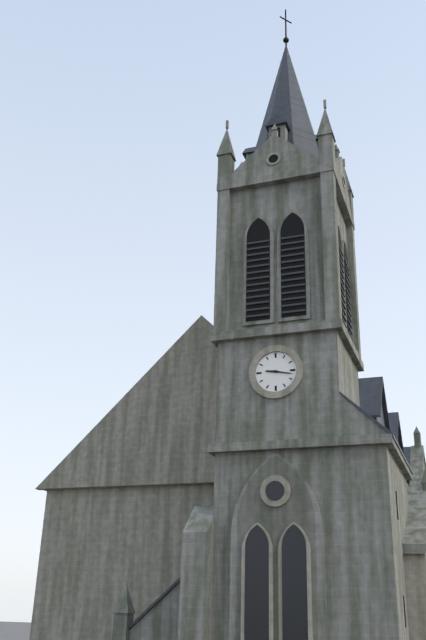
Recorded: h=9 m=17
